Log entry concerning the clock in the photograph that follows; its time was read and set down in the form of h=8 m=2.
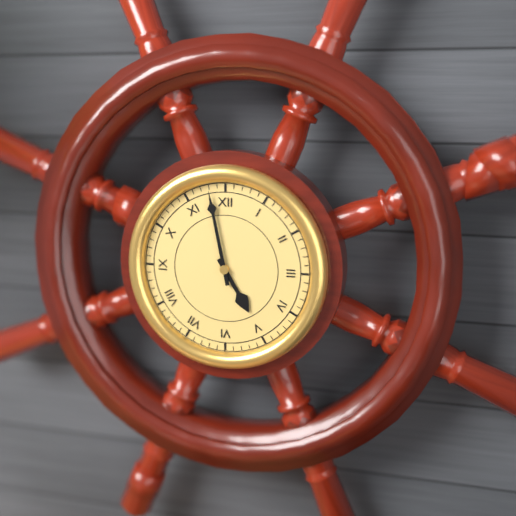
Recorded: h=4 m=58
